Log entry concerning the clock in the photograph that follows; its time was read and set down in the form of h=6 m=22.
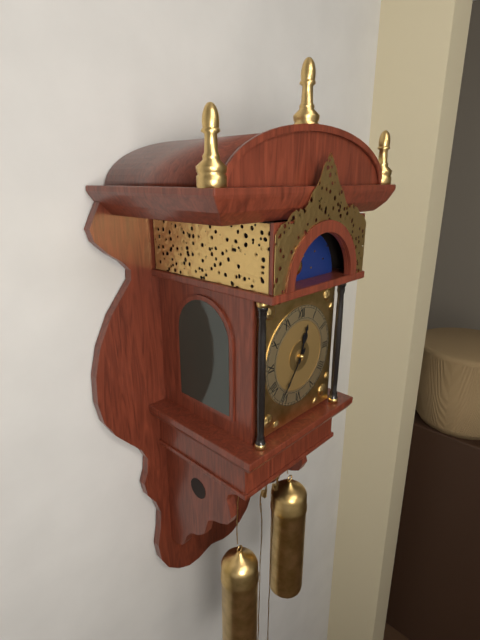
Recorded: h=12 m=36
